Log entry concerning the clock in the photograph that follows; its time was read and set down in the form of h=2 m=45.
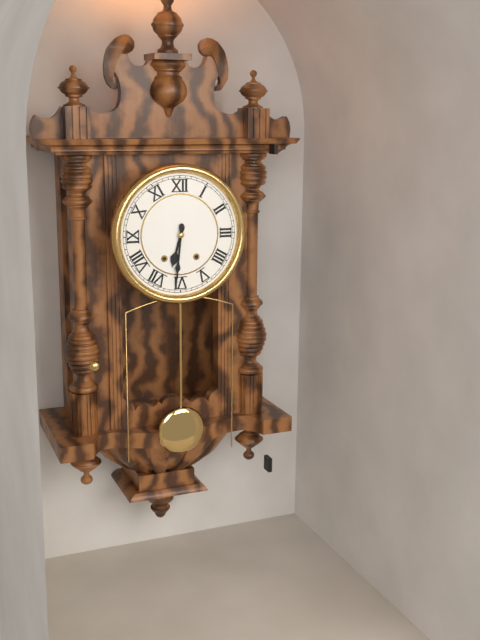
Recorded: h=6 m=31
